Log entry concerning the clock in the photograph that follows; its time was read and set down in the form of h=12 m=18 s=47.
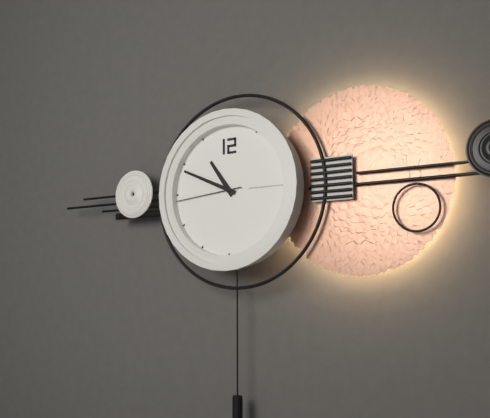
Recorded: h=10 m=49 s=44
